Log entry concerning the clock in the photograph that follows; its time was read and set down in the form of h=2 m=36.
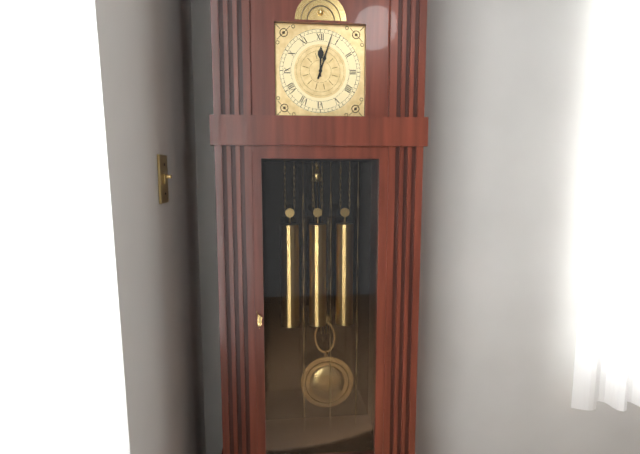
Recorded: h=12 m=3
